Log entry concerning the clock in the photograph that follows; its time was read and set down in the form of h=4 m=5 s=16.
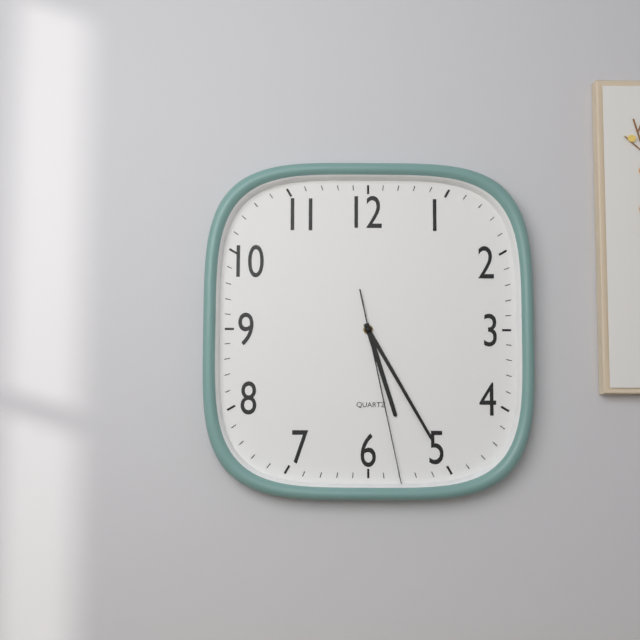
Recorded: h=5 m=25 s=28
